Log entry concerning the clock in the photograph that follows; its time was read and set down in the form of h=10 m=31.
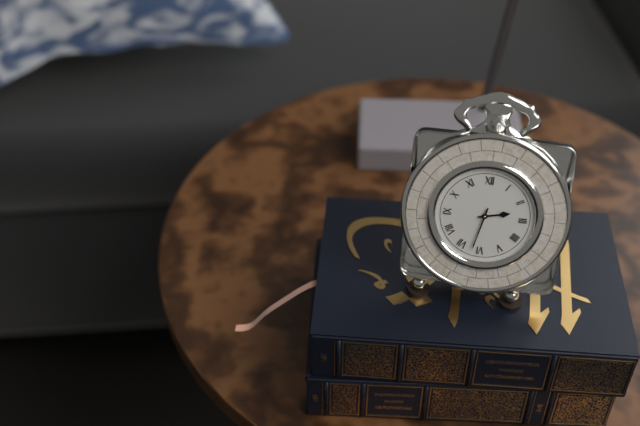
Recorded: h=2 m=32
